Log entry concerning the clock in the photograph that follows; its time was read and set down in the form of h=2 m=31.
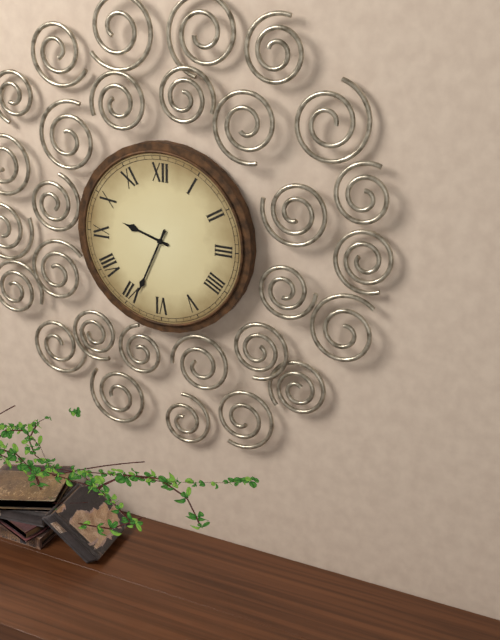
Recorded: h=9 m=34
